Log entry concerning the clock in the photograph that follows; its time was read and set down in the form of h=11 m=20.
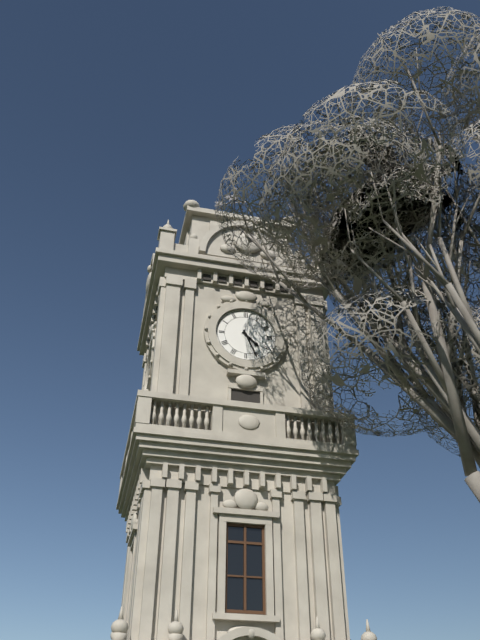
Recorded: h=4 m=26
